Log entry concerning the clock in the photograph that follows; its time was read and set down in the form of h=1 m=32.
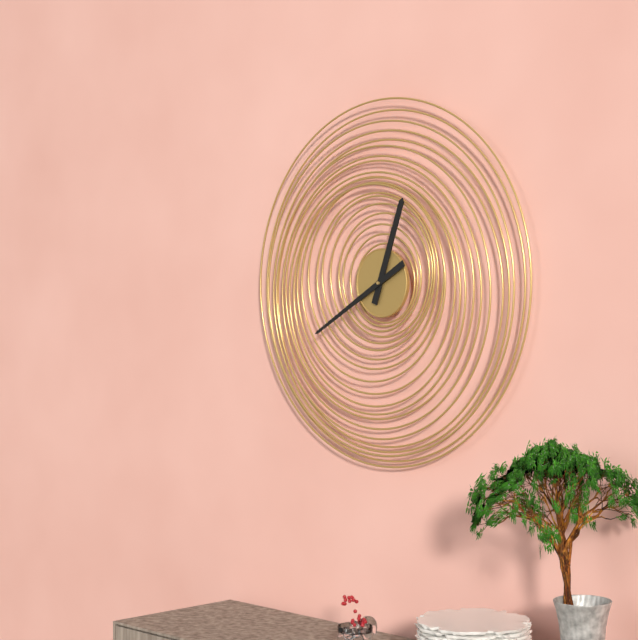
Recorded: h=12 m=40
